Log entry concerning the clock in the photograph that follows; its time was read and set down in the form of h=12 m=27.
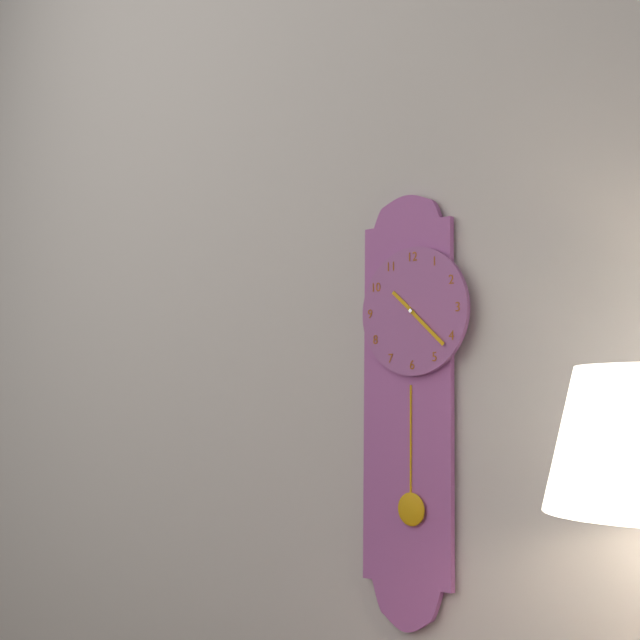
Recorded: h=10 m=22
